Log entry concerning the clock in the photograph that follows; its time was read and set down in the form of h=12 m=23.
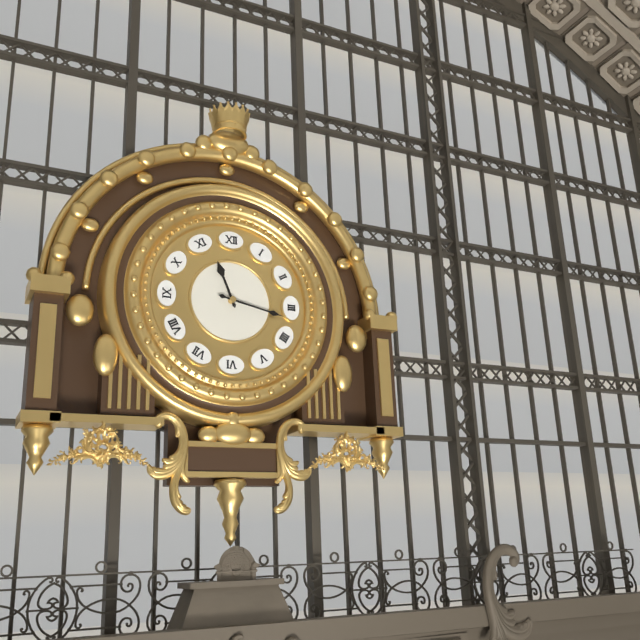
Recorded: h=11 m=17
